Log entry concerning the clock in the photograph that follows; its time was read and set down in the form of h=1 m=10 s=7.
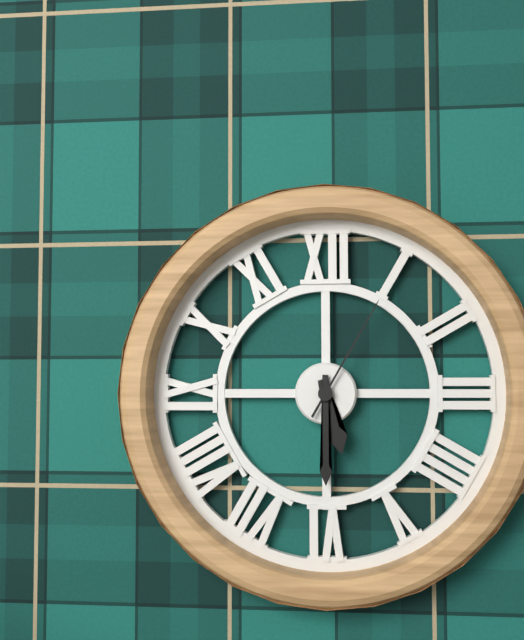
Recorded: h=5 m=30 s=5
